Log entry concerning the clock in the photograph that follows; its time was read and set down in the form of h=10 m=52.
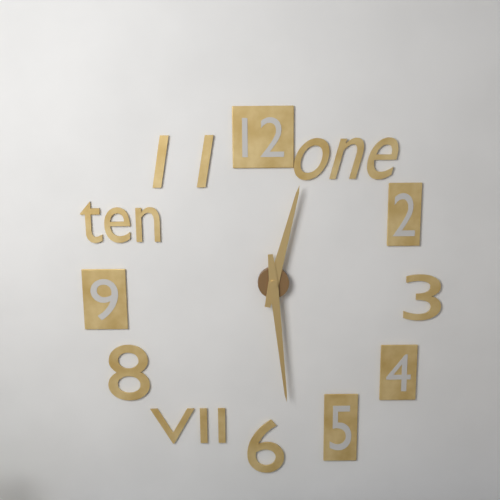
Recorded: h=12 m=29
